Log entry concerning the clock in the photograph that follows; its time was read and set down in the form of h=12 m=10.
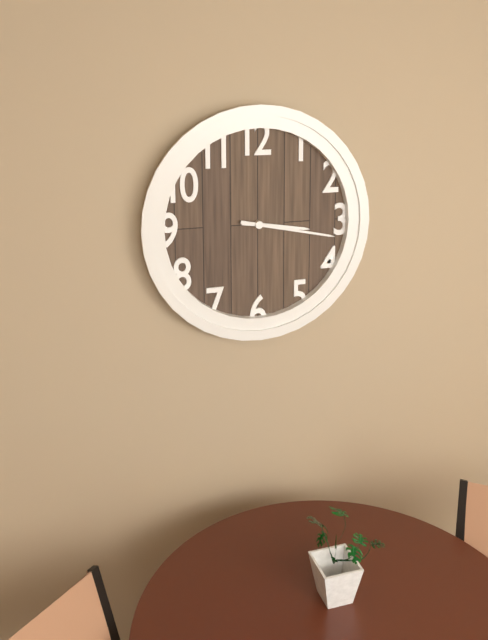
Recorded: h=3 m=17
